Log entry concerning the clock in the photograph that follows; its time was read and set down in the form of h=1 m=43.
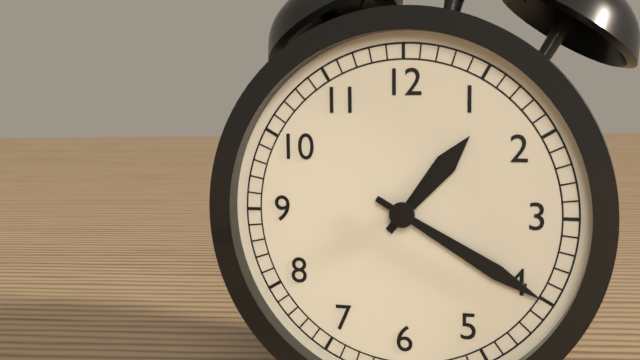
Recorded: h=1 m=20
